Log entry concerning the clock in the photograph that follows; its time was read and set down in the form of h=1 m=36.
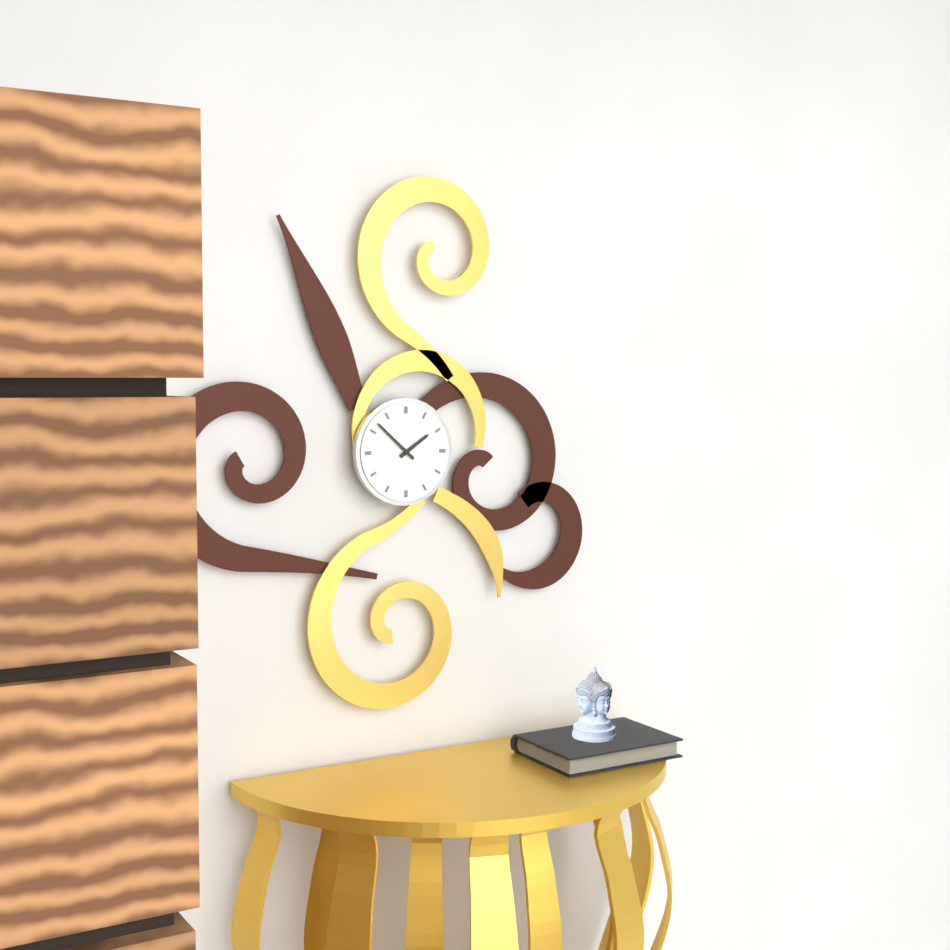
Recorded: h=1 m=52
